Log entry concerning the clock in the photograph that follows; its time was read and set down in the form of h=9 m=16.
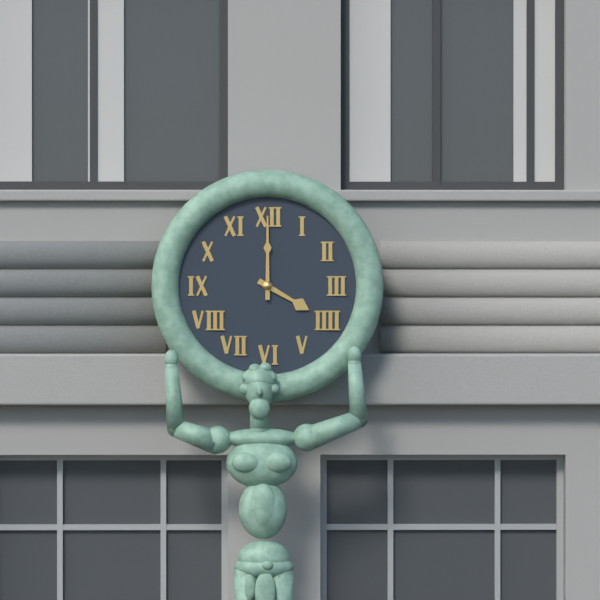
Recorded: h=4 m=0
